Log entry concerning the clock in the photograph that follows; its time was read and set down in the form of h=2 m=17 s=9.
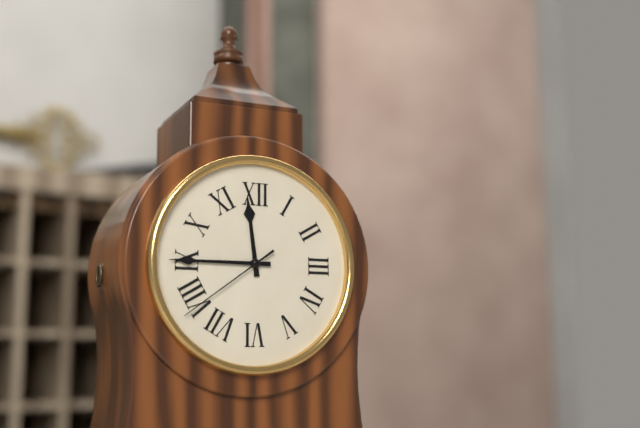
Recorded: h=11 m=45 s=39
